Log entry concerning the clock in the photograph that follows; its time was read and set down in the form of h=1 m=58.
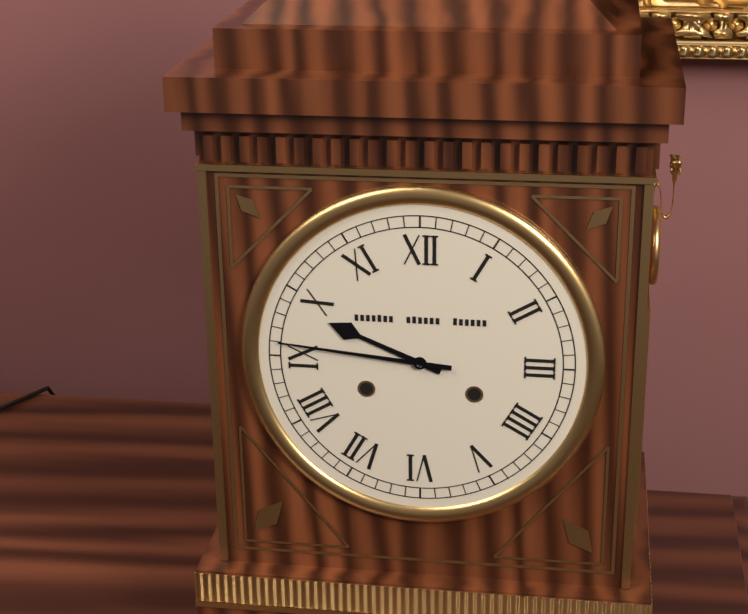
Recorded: h=9 m=46
